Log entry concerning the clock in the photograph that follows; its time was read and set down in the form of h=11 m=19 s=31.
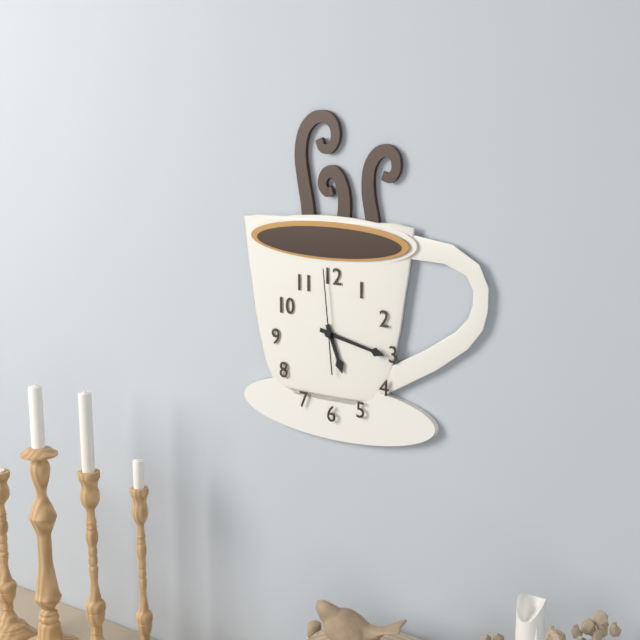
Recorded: h=5 m=17 s=59
